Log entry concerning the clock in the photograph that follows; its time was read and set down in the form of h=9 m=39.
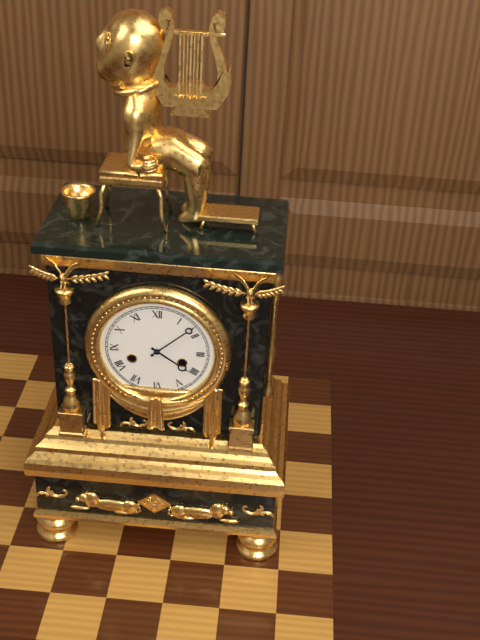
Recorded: h=4 m=8
